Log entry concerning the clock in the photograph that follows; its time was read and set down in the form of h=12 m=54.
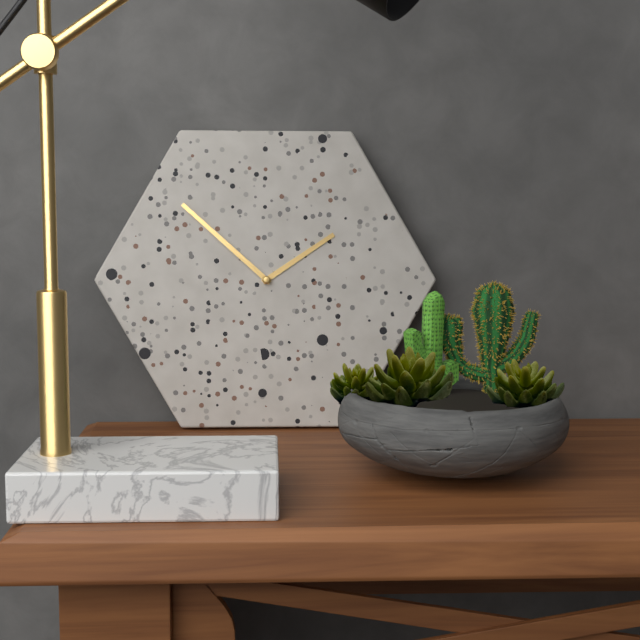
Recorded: h=1 m=52
